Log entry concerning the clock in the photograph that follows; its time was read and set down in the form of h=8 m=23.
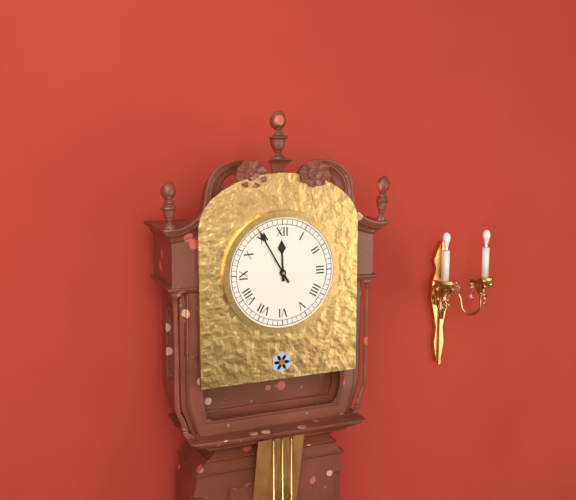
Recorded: h=11 m=55
